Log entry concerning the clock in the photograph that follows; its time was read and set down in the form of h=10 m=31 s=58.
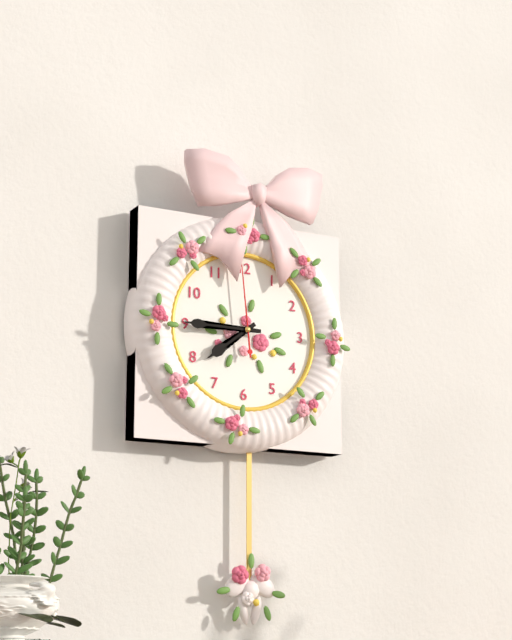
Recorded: h=7 m=45 s=59
